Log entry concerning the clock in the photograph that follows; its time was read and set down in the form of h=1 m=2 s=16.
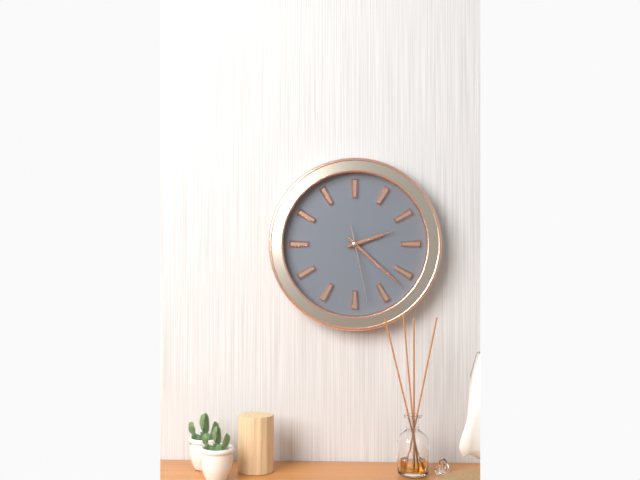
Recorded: h=2 m=22 s=28
